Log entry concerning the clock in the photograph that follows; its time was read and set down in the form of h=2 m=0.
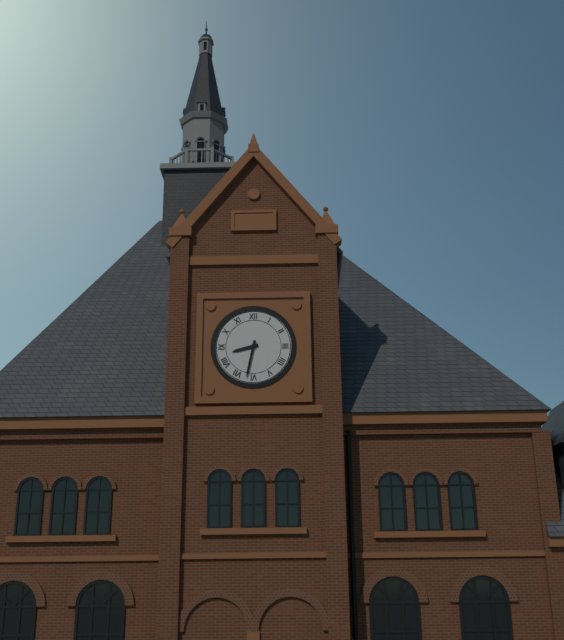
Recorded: h=8 m=32
